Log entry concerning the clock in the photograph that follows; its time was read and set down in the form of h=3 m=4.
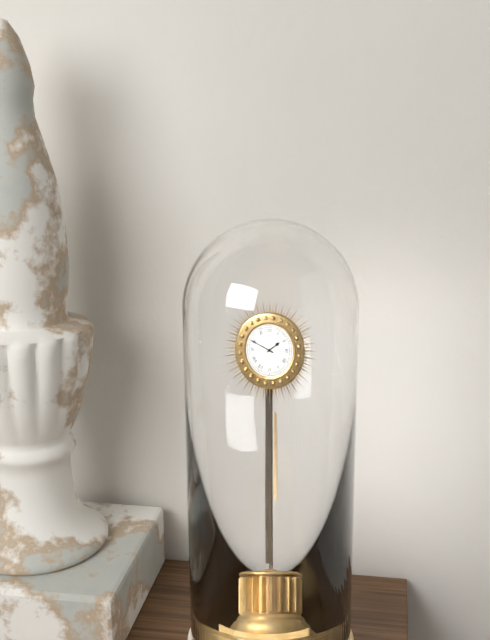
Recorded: h=1 m=49
